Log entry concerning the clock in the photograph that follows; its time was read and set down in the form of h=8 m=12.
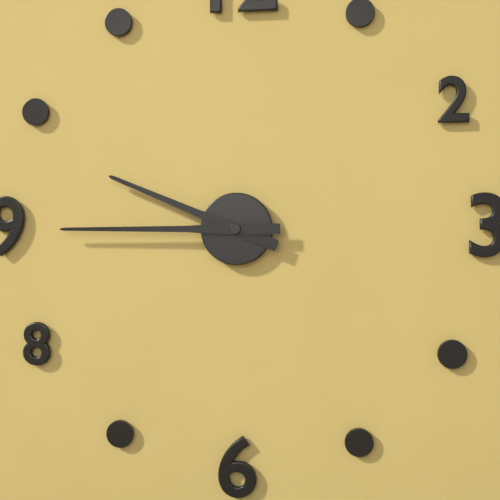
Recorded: h=9 m=45
